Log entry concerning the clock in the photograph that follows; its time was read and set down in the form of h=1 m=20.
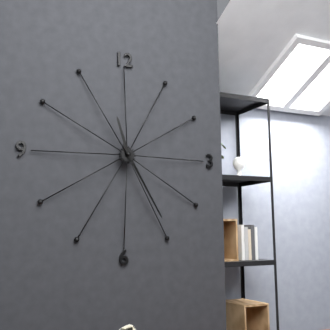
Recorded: h=11 m=25
